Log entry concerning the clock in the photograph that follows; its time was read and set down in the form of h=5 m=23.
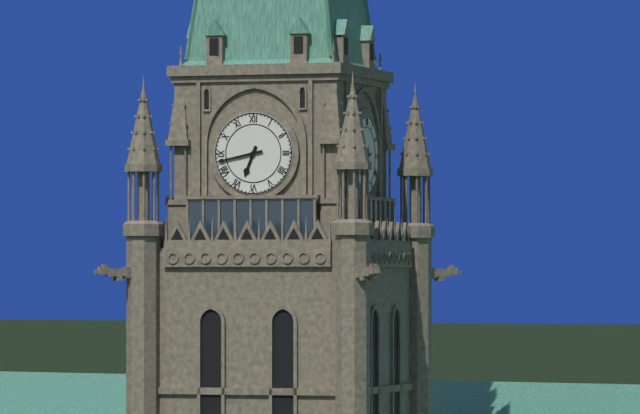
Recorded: h=6 m=43
